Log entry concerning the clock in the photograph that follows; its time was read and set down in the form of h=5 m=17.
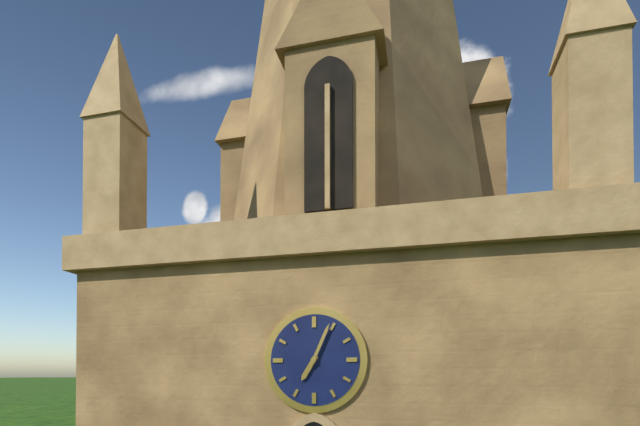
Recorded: h=7 m=4
